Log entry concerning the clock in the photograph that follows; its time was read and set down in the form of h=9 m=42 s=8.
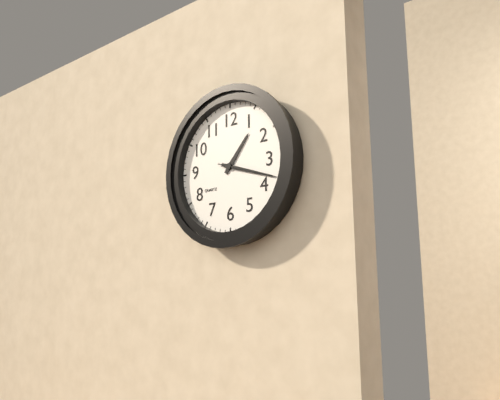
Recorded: h=1 m=18 s=18
